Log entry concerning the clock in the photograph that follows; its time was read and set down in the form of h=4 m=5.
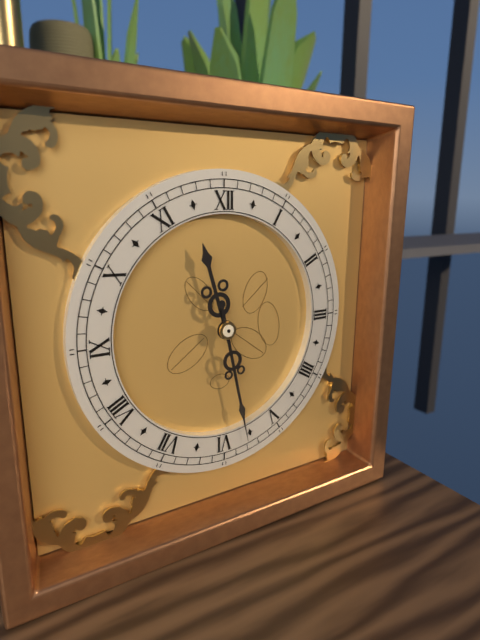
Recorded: h=11 m=28
